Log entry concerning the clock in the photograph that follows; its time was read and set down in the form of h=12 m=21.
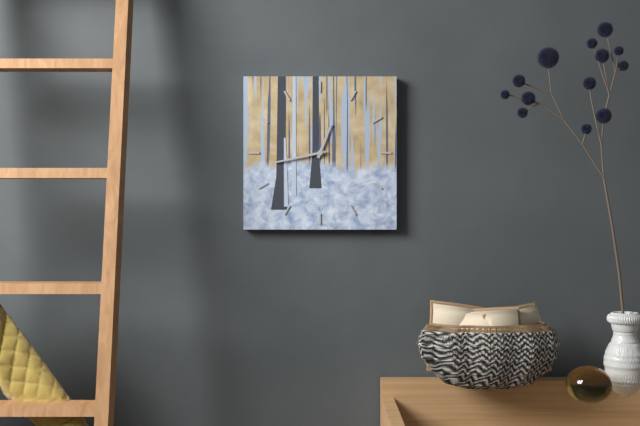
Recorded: h=12 m=43
